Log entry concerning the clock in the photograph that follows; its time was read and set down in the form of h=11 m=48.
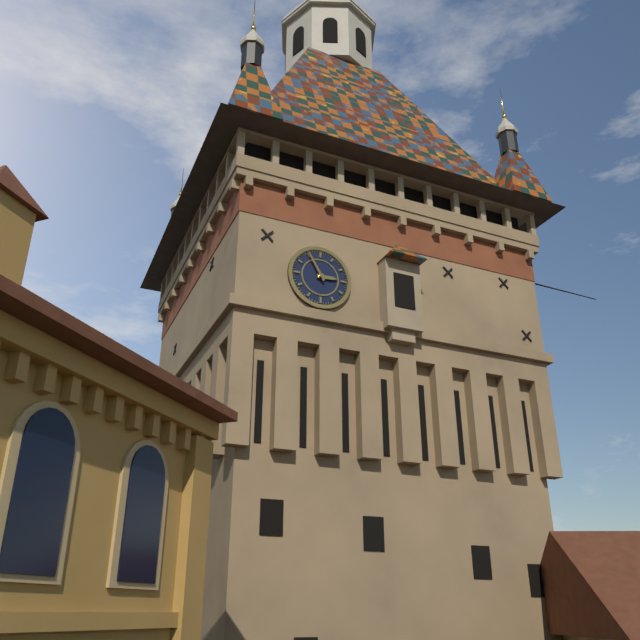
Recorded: h=2 m=55
